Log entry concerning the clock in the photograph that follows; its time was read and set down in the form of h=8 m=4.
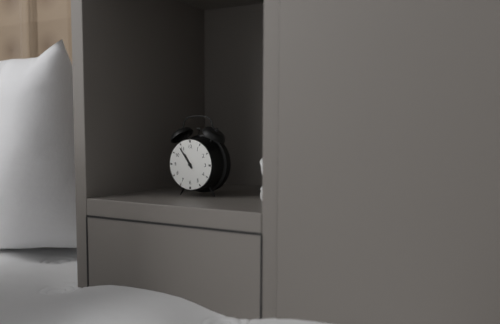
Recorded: h=10 m=54
